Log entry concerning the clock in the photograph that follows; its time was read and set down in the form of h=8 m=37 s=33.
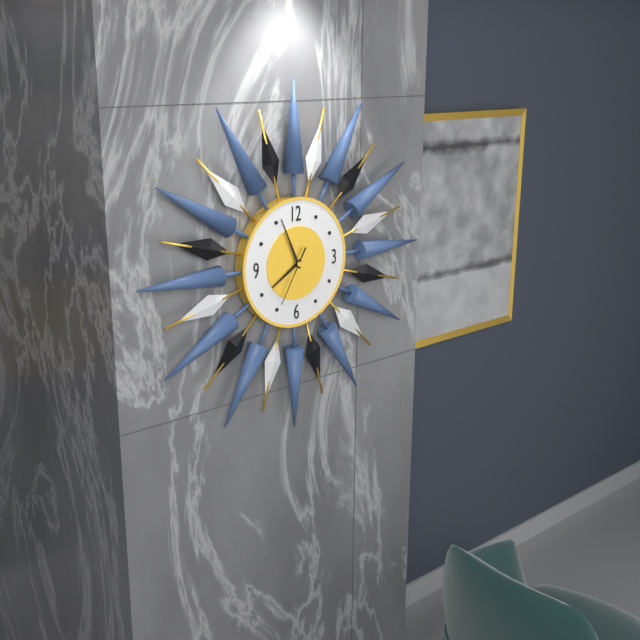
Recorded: h=7 m=56 s=35
